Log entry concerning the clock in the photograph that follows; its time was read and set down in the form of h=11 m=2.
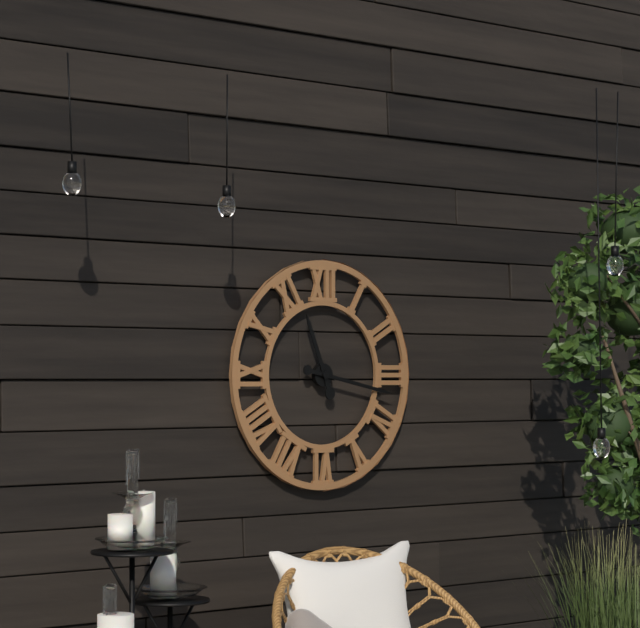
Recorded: h=11 m=17
